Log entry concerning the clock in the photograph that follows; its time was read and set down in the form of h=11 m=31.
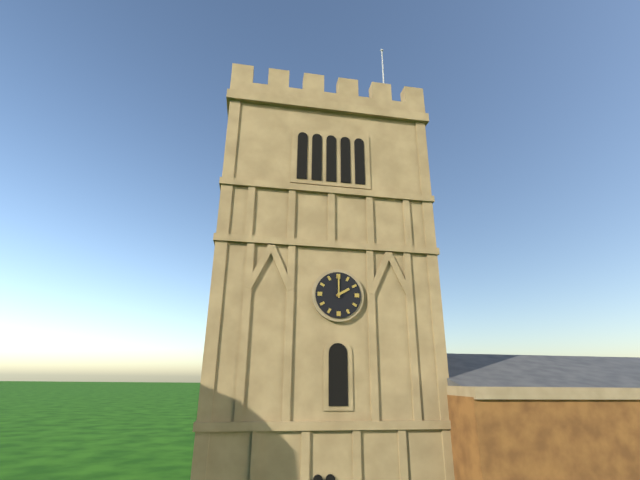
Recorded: h=2 m=0
